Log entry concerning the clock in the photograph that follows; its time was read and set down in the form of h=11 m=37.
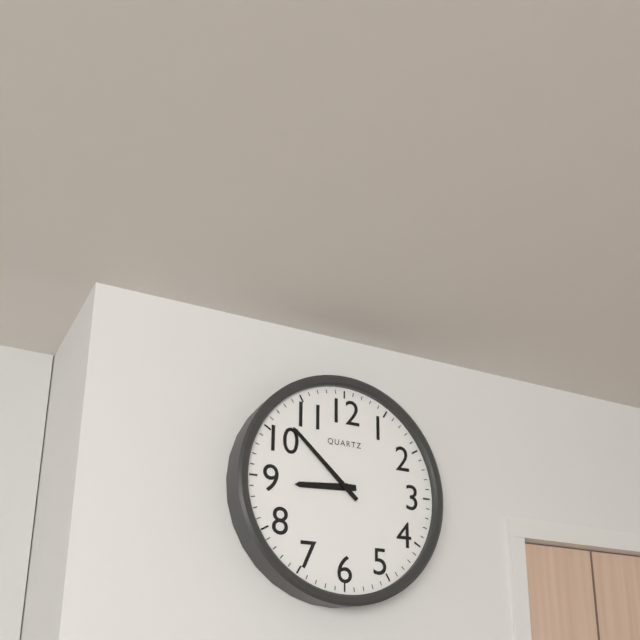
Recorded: h=8 m=52
